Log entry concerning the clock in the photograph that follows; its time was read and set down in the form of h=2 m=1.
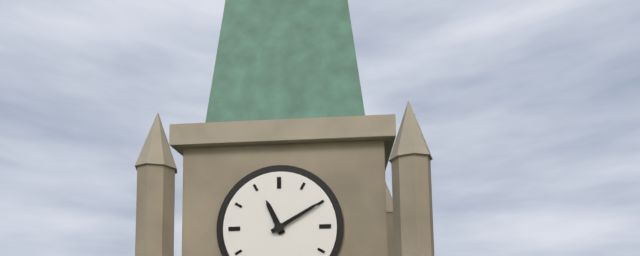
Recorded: h=11 m=10
